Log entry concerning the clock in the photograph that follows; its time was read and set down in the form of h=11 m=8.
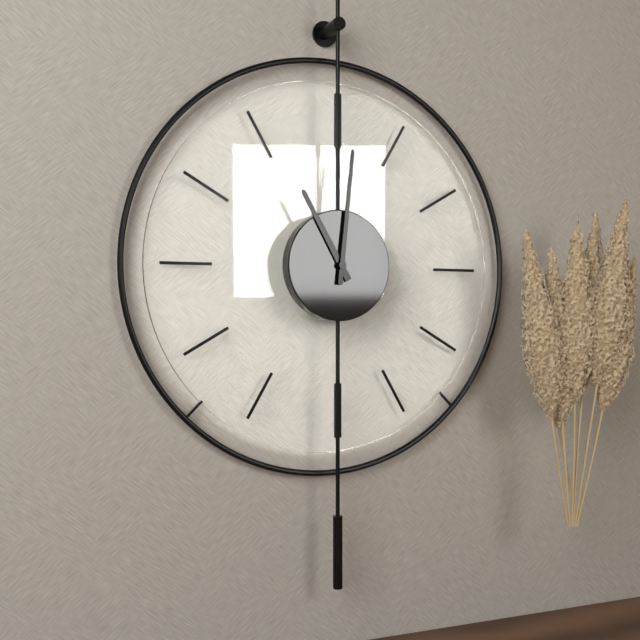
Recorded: h=11 m=1
